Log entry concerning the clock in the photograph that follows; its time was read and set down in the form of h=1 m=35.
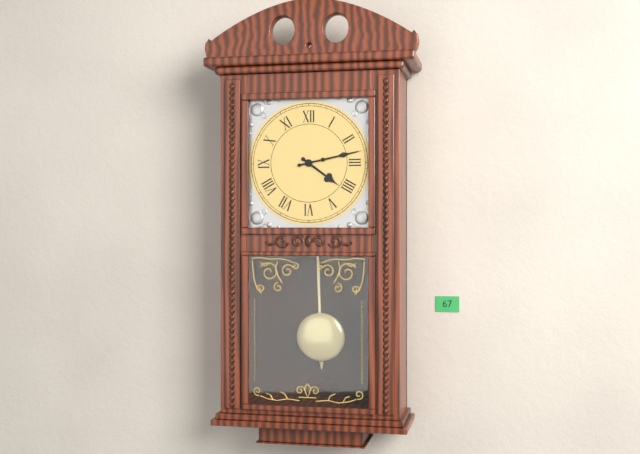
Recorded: h=4 m=13
